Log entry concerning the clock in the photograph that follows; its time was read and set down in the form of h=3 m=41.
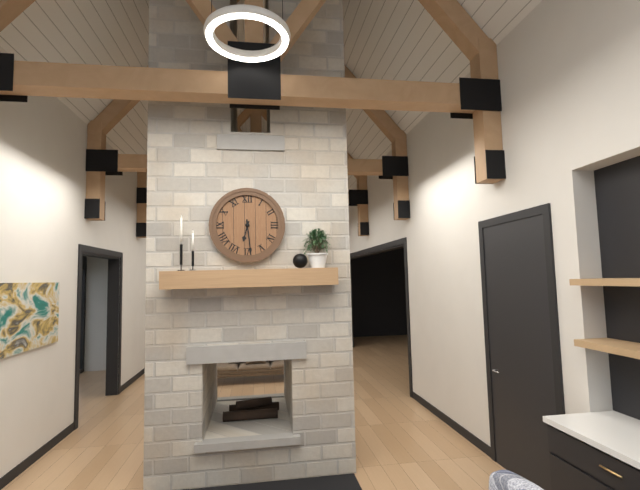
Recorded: h=6 m=29
